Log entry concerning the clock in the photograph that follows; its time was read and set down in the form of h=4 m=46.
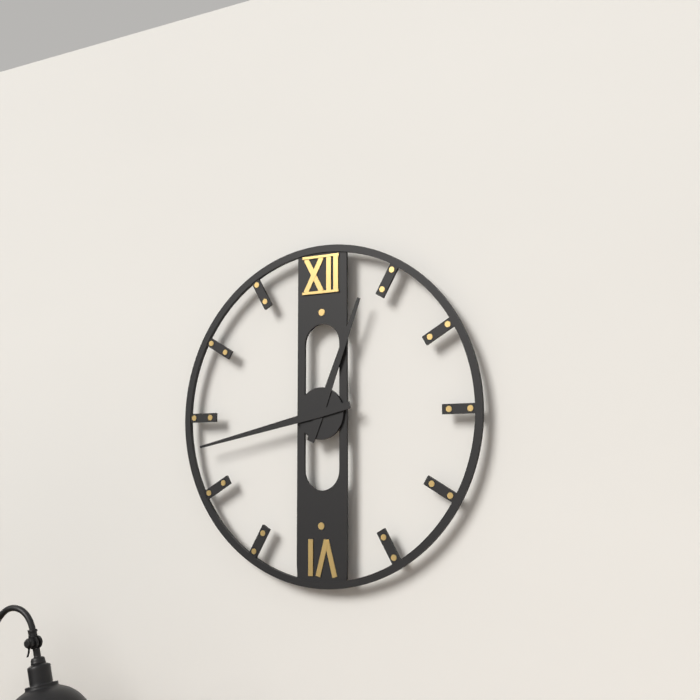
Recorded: h=12 m=43
